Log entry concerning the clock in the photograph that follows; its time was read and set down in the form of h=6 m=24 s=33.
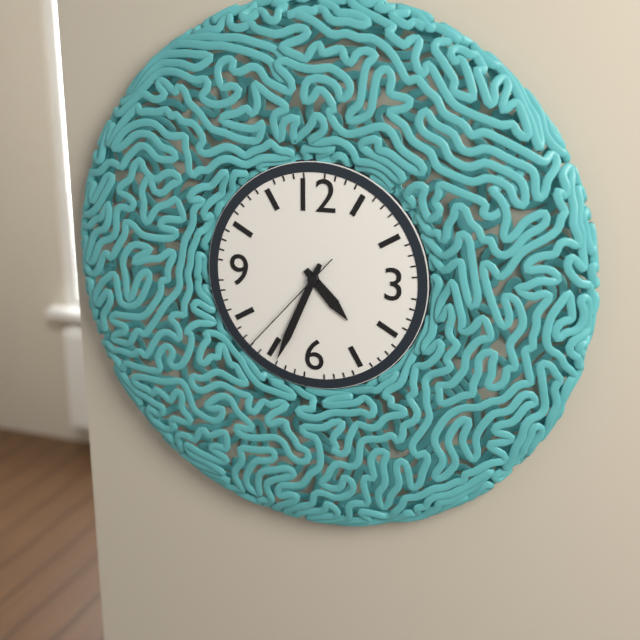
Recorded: h=4 m=34 s=37
